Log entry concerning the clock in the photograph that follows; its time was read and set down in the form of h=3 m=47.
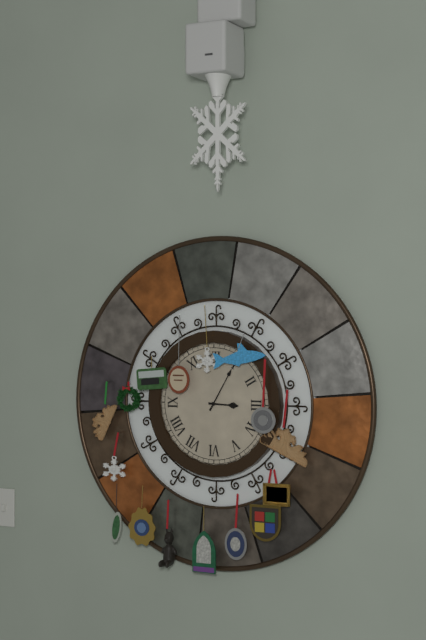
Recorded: h=3 m=5
